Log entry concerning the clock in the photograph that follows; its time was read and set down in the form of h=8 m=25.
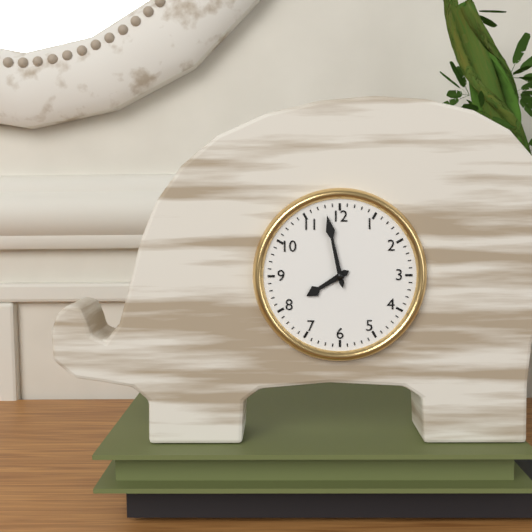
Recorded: h=7 m=58
